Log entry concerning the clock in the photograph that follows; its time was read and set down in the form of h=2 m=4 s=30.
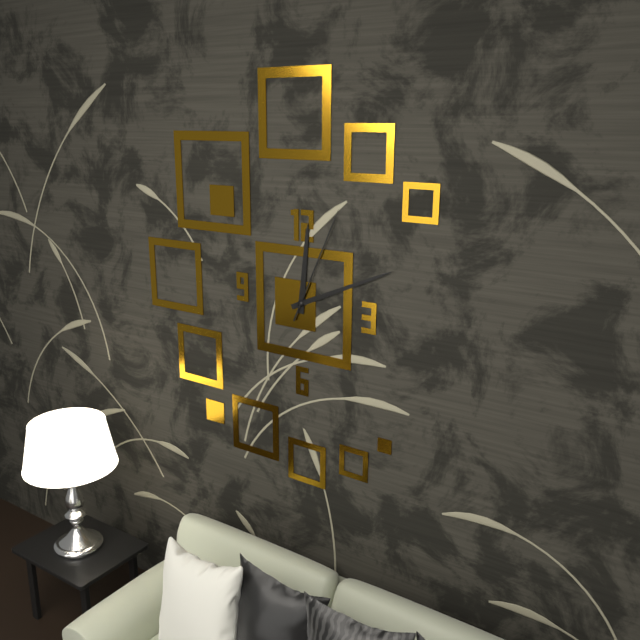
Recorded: h=12 m=11 s=4
